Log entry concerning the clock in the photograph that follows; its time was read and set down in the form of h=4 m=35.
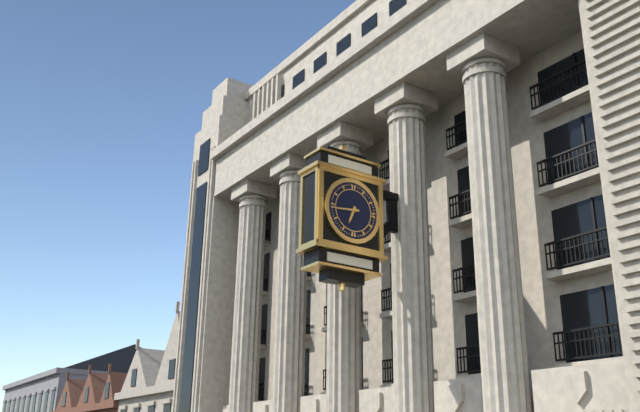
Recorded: h=6 m=44
